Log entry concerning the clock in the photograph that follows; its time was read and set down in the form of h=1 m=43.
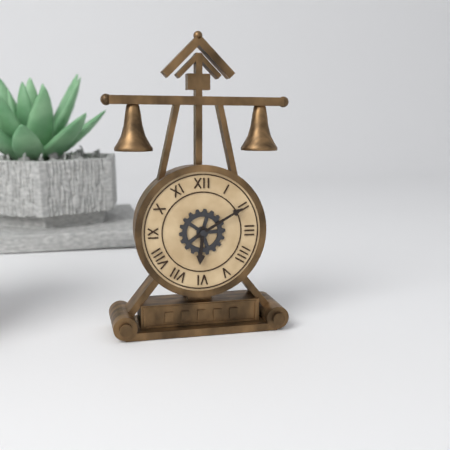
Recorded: h=6 m=10
